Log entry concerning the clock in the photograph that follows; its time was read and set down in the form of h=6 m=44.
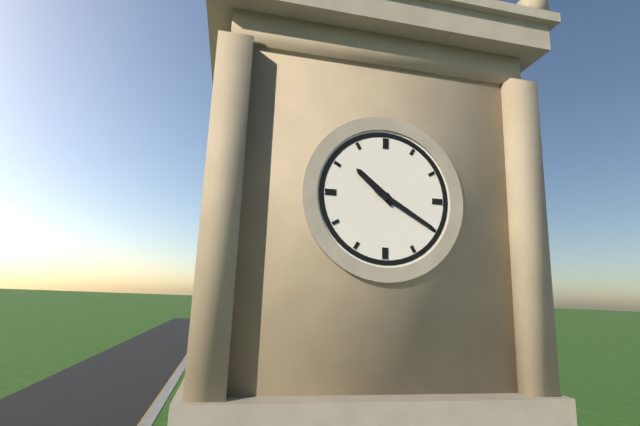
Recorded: h=10 m=20
